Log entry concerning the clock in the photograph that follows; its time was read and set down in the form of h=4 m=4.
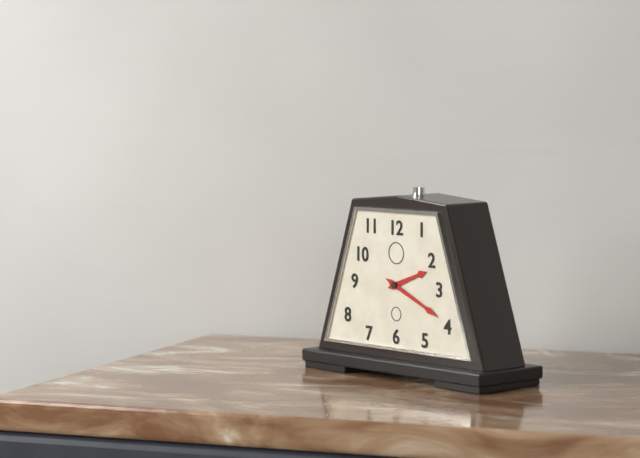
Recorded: h=2 m=19
